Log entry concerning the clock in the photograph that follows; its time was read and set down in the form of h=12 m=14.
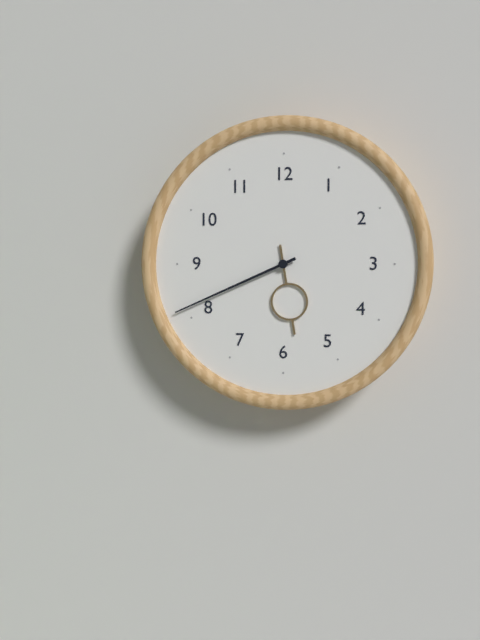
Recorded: h=5 m=41
